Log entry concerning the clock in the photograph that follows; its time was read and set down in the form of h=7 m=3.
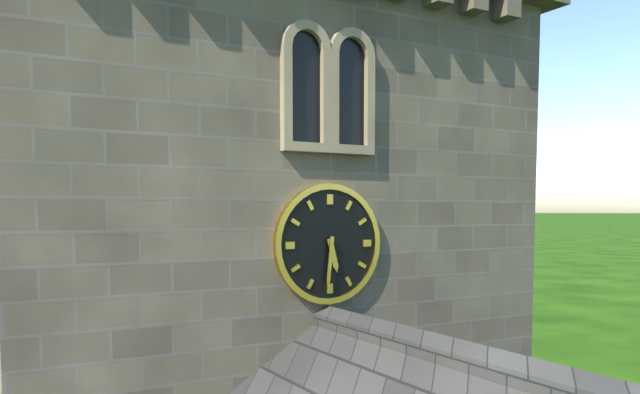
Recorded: h=5 m=31
